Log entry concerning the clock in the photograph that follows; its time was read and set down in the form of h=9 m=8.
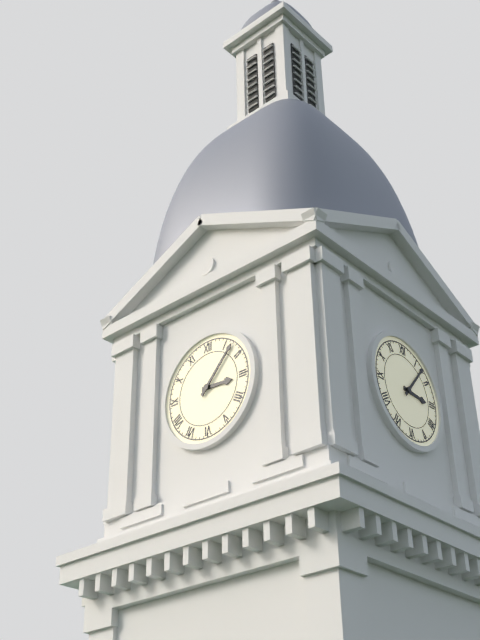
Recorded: h=3 m=7
